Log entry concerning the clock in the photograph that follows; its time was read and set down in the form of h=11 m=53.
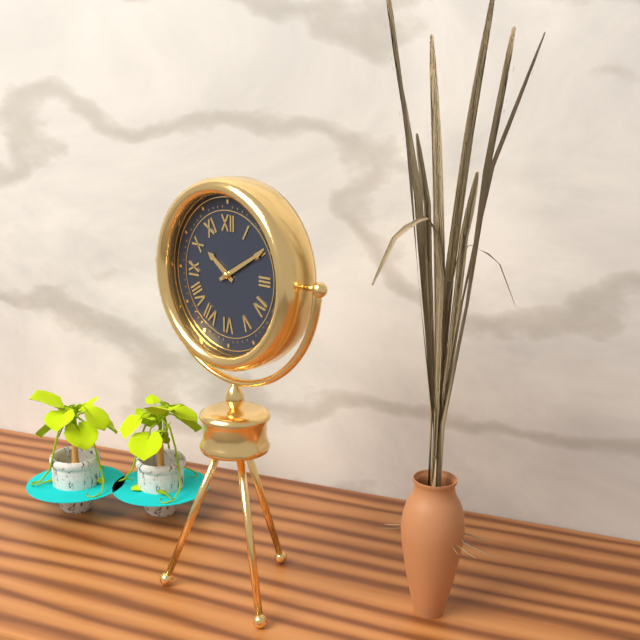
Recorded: h=10 m=10
